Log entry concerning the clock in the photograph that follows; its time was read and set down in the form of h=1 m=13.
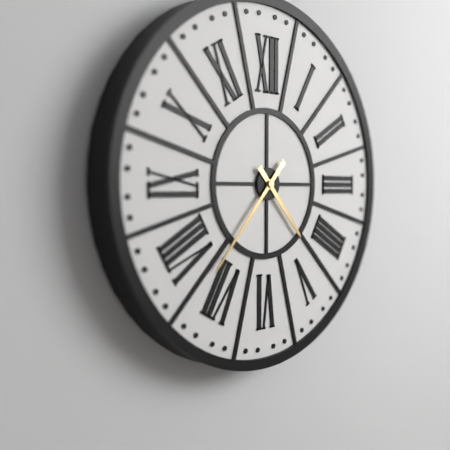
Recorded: h=4 m=37
